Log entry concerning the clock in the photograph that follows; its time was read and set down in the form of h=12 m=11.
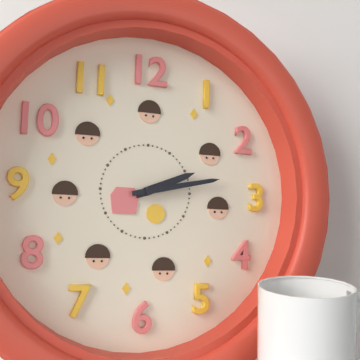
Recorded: h=2 m=13
